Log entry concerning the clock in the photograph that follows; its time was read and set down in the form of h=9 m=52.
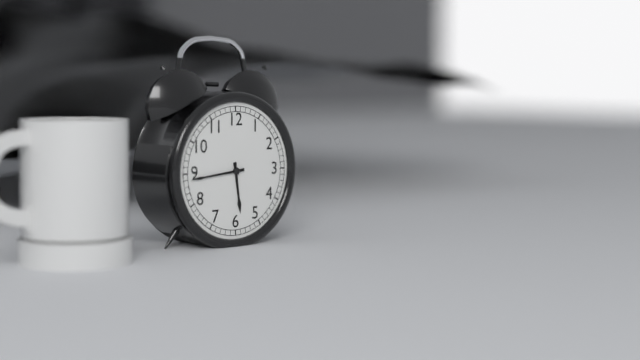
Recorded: h=5 m=44
